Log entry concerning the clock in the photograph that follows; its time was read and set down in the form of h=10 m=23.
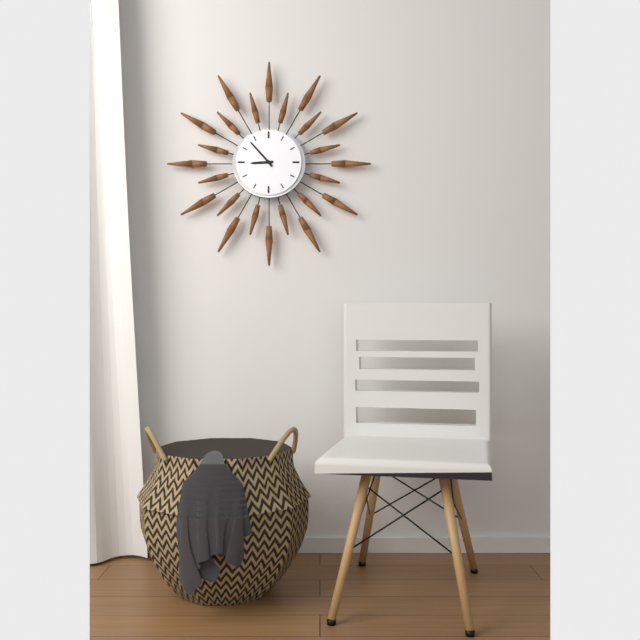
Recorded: h=8 m=53
